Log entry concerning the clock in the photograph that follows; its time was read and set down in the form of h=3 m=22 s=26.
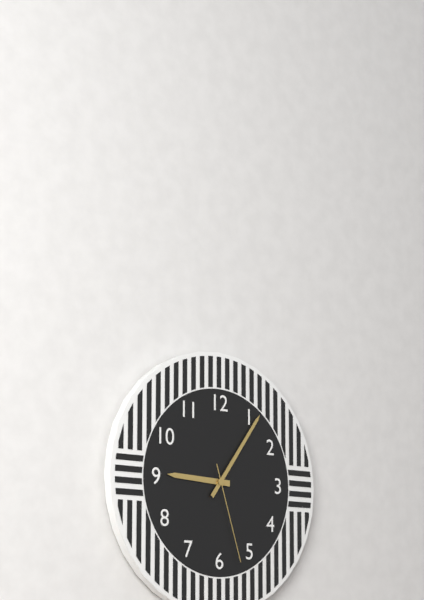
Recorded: h=9 m=6 s=27
